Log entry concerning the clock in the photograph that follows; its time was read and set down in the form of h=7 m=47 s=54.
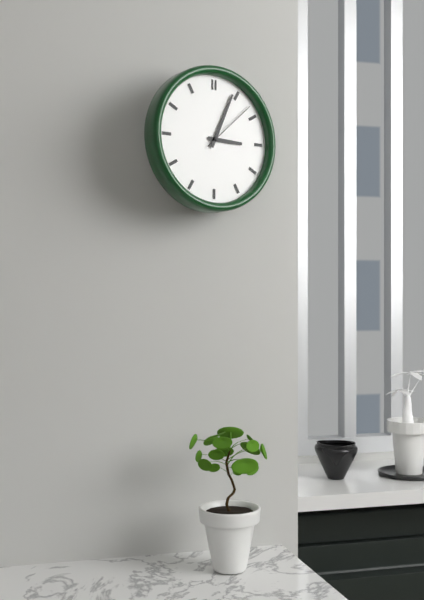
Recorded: h=3 m=4 s=8
